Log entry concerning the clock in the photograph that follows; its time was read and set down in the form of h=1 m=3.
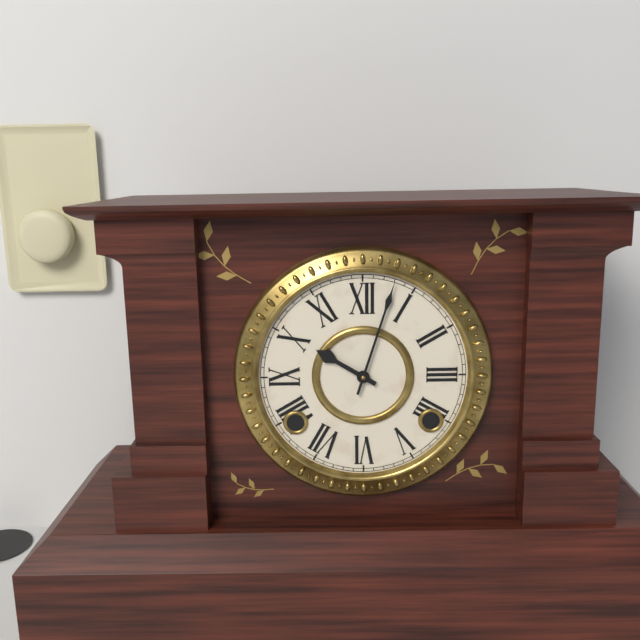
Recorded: h=10 m=3
